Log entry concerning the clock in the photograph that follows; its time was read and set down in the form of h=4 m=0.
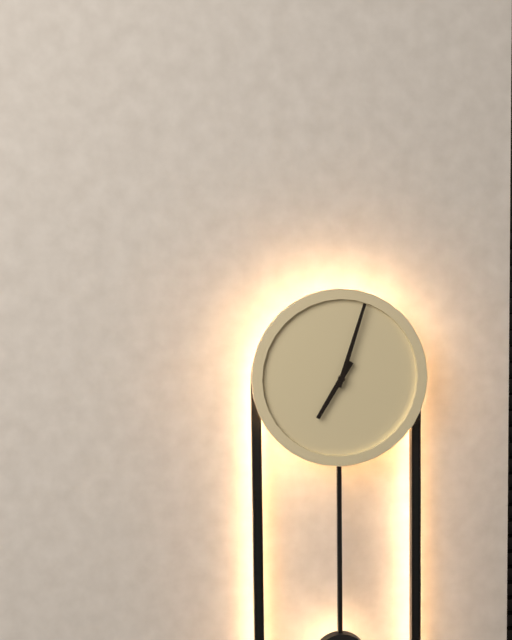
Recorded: h=7 m=3
